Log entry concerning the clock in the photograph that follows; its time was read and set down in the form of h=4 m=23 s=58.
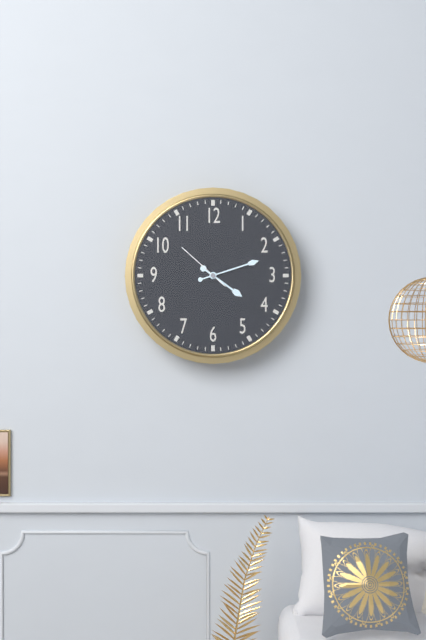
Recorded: h=4 m=12 s=52
